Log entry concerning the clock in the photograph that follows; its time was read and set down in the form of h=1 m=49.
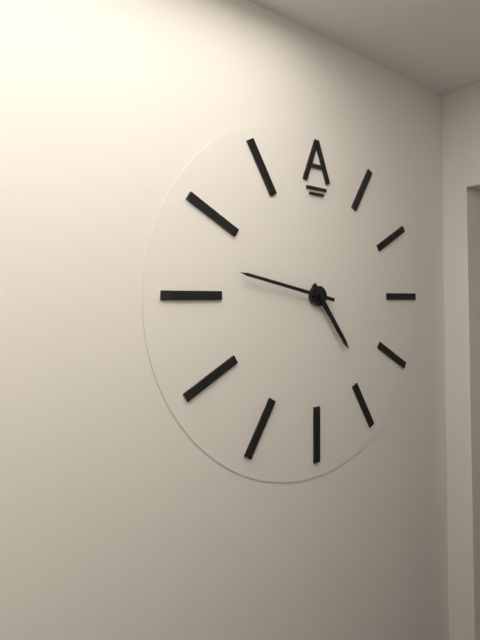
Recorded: h=4 m=47
